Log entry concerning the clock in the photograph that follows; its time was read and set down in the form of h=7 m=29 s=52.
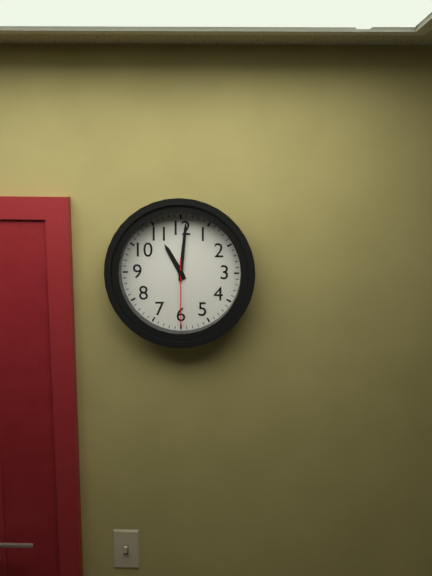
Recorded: h=11 m=1 s=30
